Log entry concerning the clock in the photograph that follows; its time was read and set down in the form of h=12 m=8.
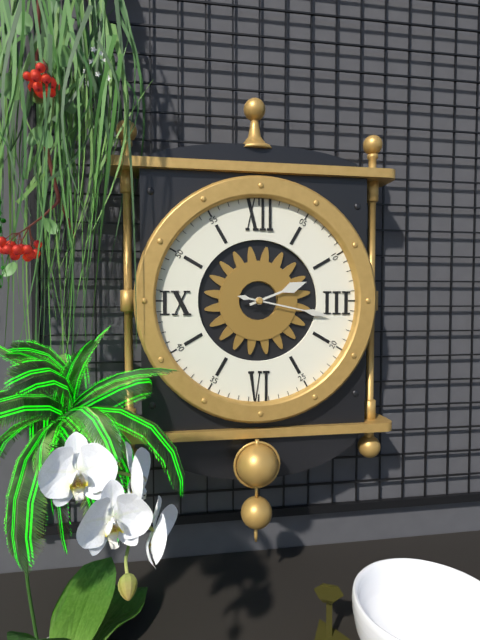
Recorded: h=2 m=17
